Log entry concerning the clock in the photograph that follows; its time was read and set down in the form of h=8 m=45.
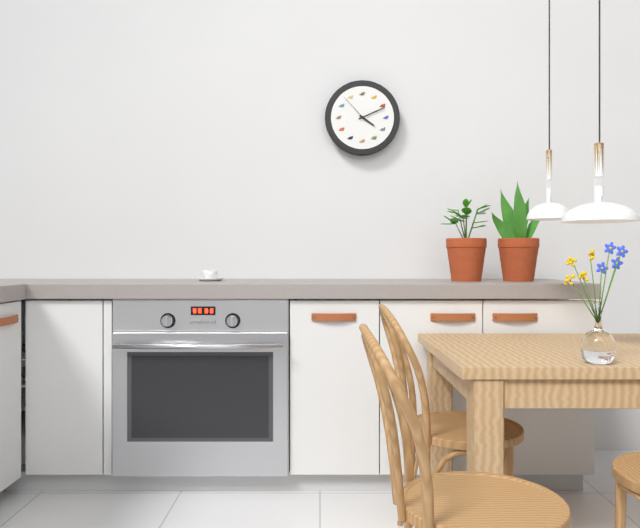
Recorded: h=4 m=11
